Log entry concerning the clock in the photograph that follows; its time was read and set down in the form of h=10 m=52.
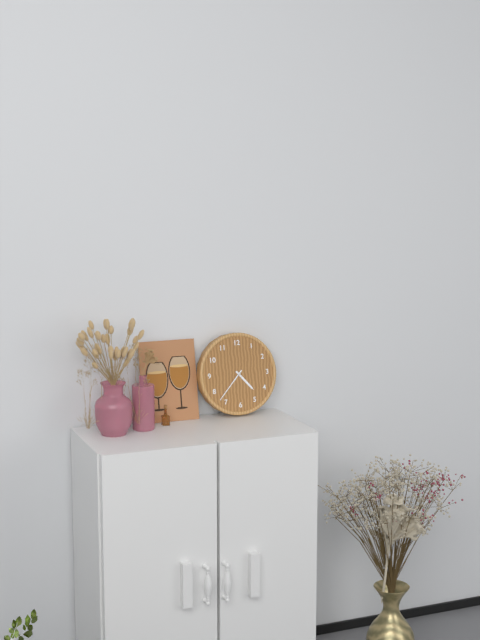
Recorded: h=4 m=37
